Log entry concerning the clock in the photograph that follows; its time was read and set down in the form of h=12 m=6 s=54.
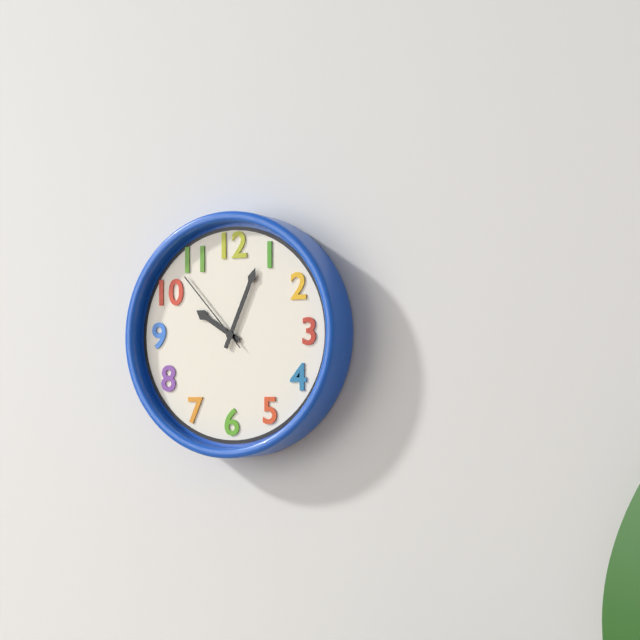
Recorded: h=10 m=4 s=53
